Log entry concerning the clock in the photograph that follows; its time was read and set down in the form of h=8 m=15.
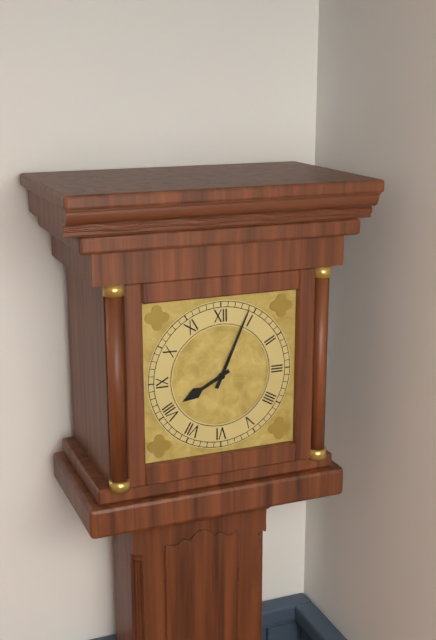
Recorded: h=8 m=4
